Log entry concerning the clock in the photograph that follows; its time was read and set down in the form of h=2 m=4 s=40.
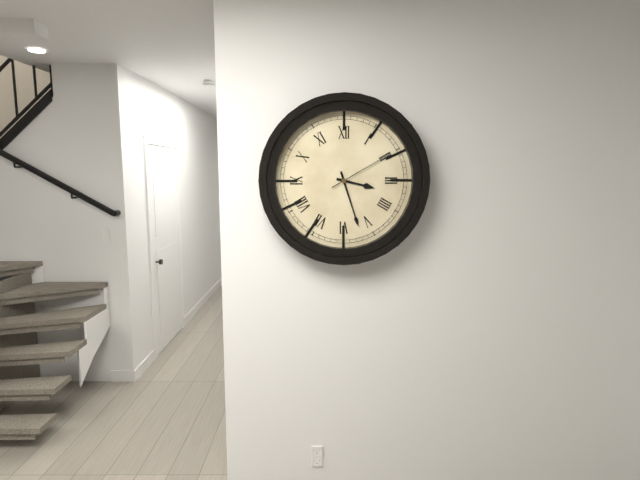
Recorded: h=3 m=27 s=10
